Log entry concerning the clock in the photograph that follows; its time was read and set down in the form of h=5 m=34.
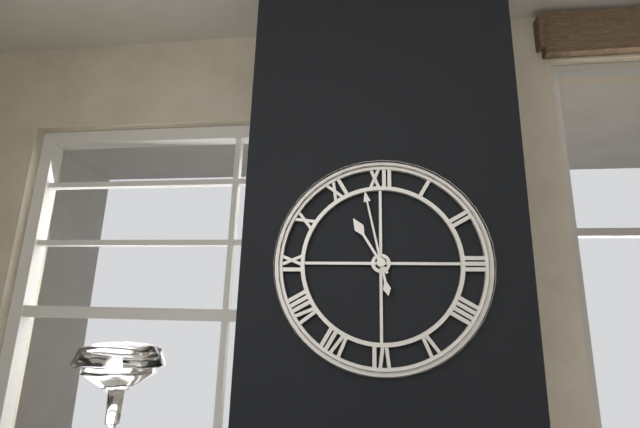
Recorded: h=10 m=58
